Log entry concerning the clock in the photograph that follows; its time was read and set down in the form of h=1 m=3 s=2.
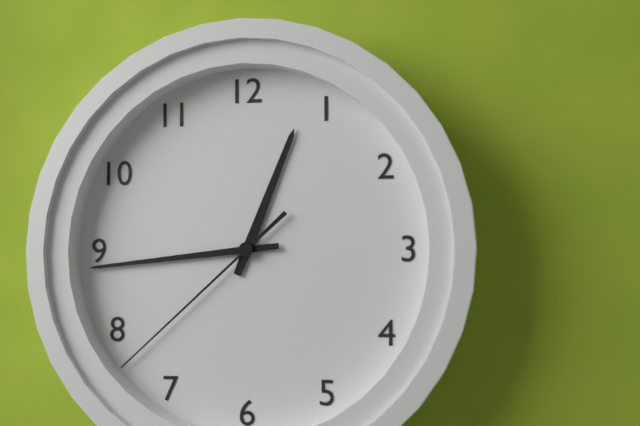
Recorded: h=12 m=44 s=38
